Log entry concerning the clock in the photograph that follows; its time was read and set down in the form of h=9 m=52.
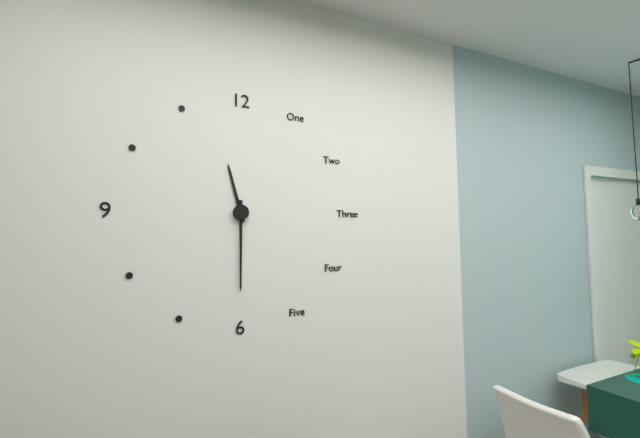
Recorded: h=11 m=30
